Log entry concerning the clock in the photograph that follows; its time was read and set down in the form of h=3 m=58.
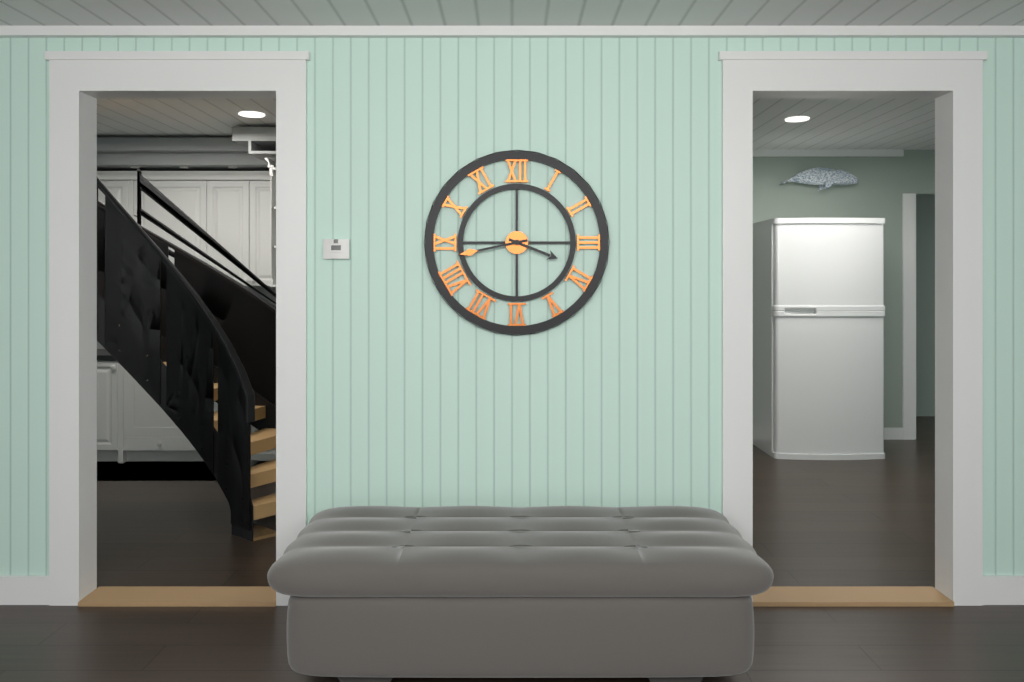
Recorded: h=3 m=43
